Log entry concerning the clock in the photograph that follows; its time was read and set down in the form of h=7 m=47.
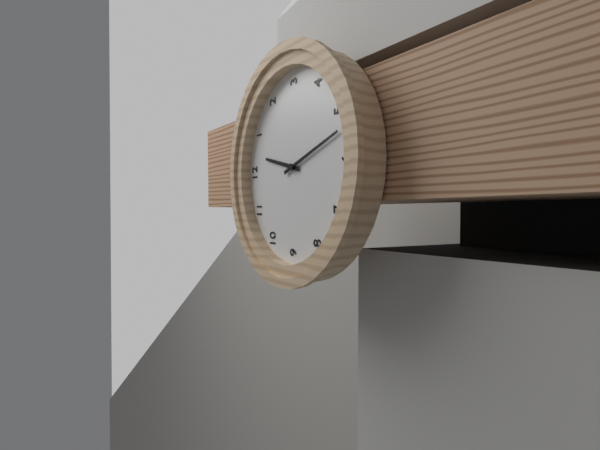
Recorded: h=12 m=27
